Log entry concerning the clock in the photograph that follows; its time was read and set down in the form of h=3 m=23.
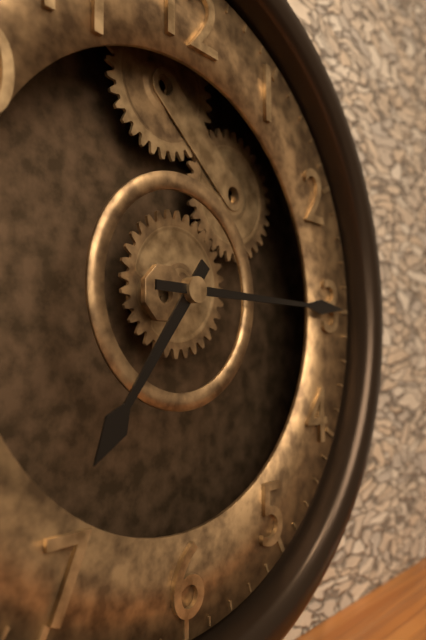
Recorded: h=7 m=15
